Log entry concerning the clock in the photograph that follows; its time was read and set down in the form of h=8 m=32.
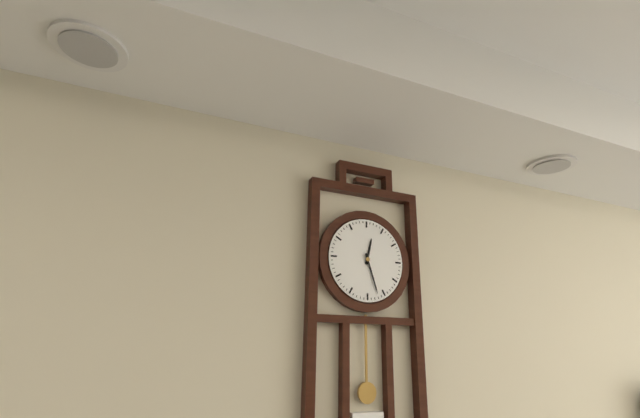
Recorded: h=12 m=27
